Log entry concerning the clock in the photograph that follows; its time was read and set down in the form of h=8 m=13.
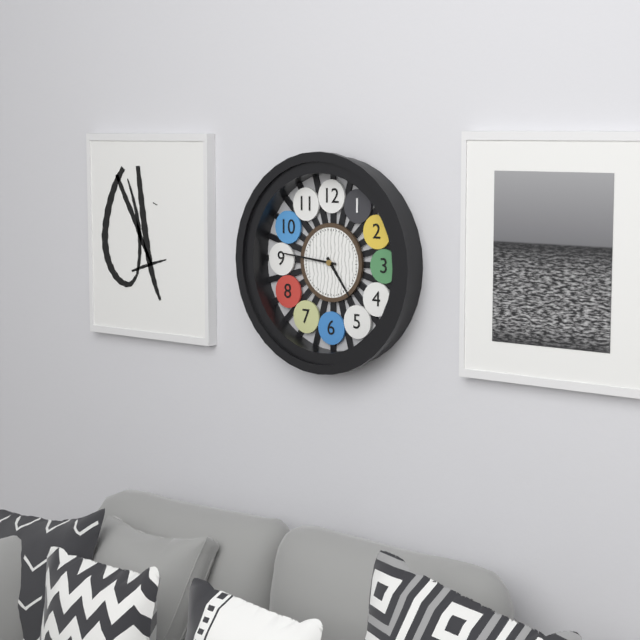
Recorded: h=4 m=46
